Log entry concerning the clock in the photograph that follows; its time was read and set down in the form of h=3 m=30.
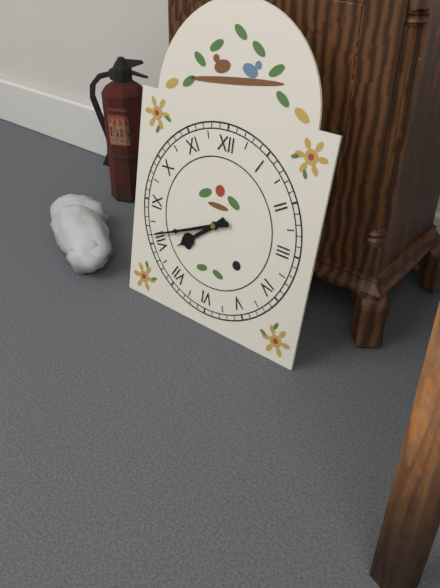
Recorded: h=7 m=41
